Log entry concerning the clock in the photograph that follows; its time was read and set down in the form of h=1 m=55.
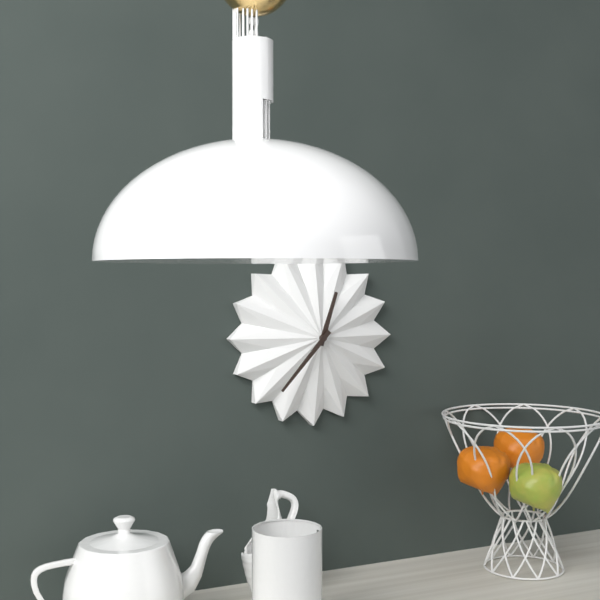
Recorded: h=12 m=37
